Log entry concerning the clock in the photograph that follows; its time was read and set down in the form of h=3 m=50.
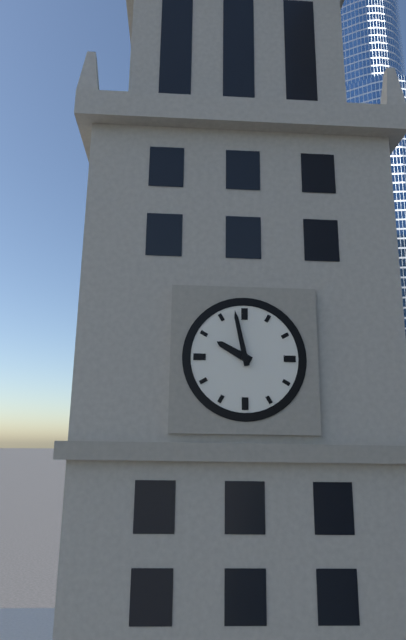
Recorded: h=9 m=58
